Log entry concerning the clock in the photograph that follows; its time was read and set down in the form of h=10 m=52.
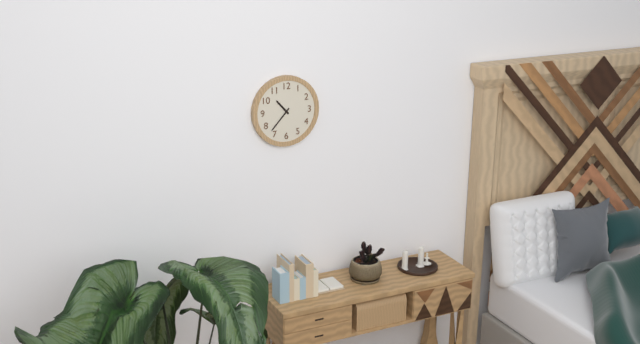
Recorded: h=10 m=37
